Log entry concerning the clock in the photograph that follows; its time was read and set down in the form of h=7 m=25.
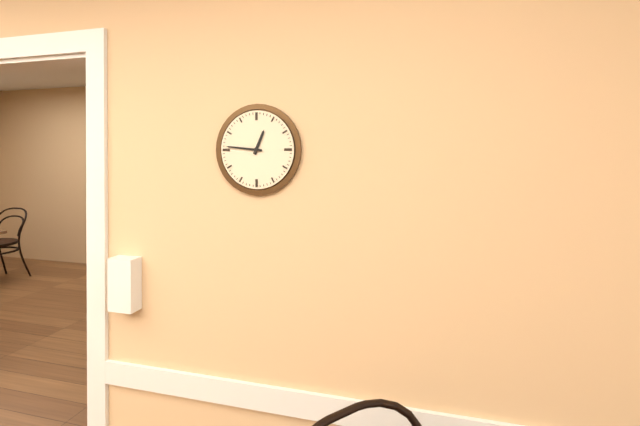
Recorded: h=12 m=46
